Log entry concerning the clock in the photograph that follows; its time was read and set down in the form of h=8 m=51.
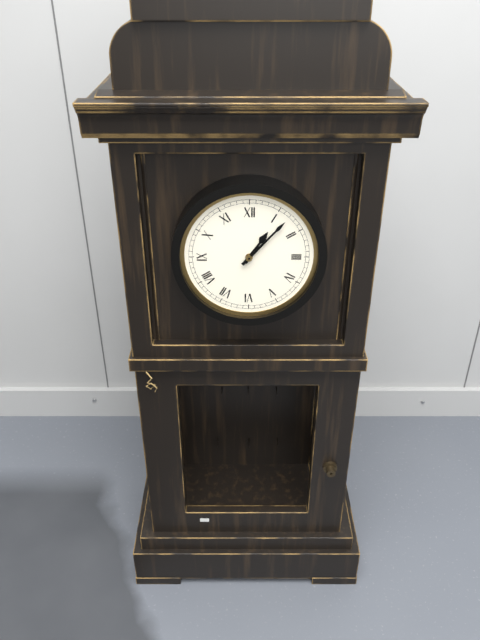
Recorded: h=1 m=7
